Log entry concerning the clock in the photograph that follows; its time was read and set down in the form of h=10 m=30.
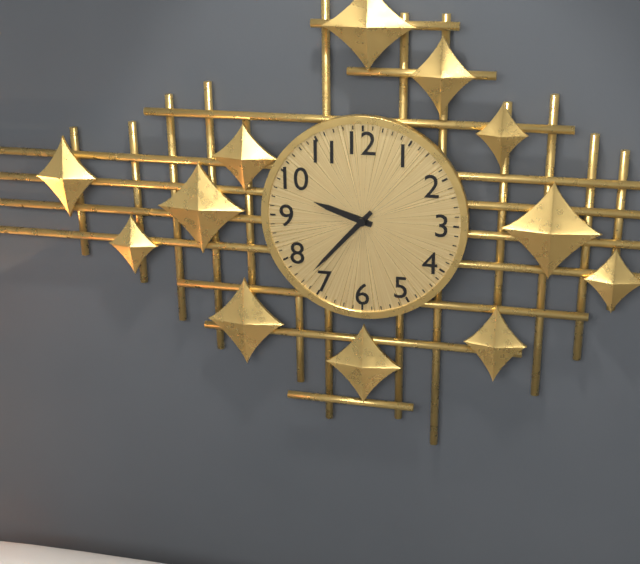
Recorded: h=9 m=37
